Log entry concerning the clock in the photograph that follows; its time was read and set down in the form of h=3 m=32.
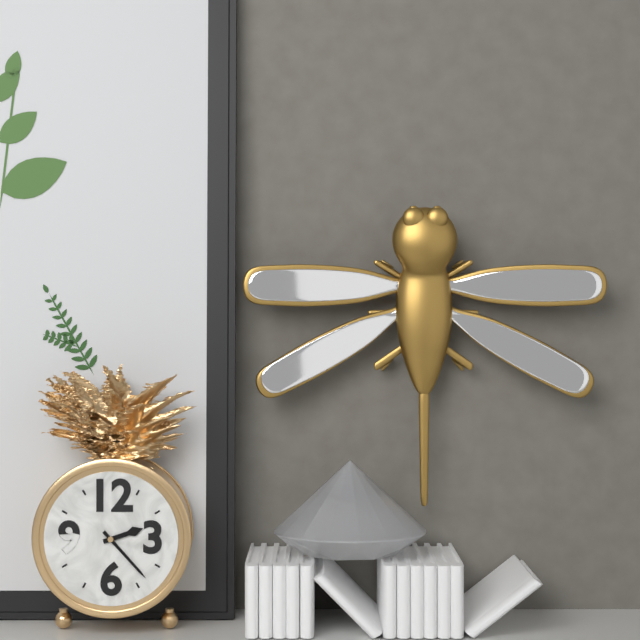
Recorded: h=2 m=23
